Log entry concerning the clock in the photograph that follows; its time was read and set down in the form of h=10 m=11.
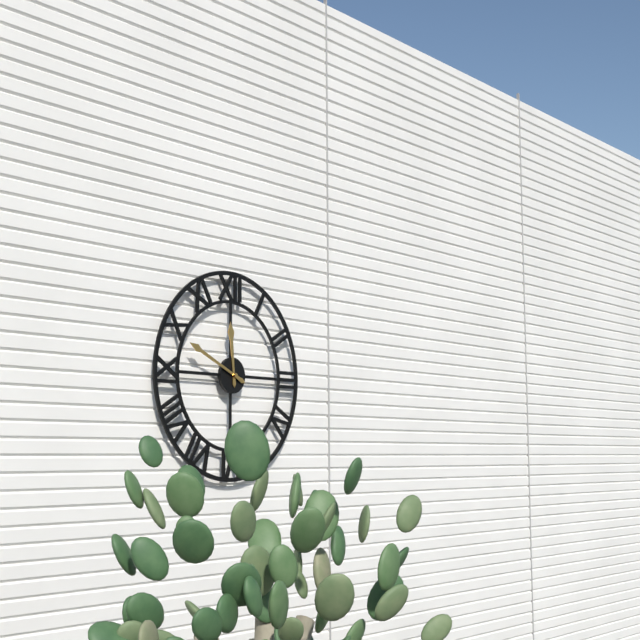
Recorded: h=11 m=49
